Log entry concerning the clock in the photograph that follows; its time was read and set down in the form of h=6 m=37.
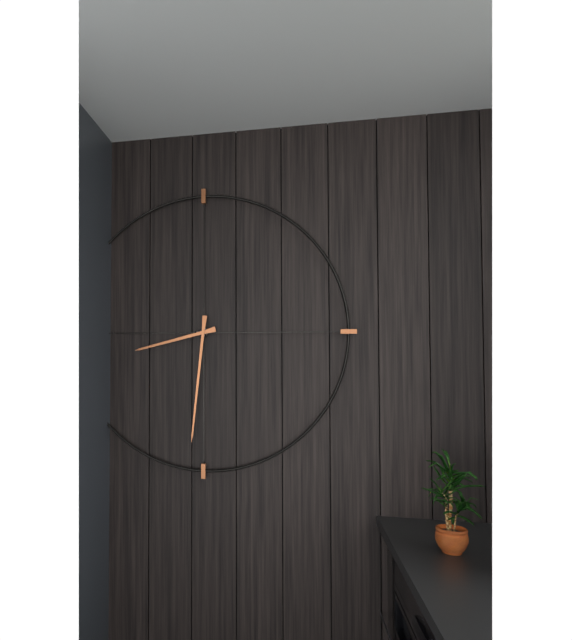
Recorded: h=8 m=31
